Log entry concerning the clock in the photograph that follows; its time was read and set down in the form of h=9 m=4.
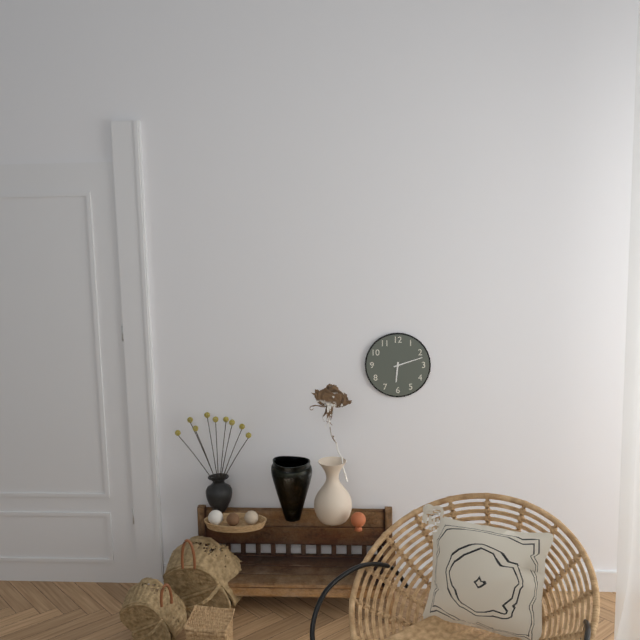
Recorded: h=6 m=12
